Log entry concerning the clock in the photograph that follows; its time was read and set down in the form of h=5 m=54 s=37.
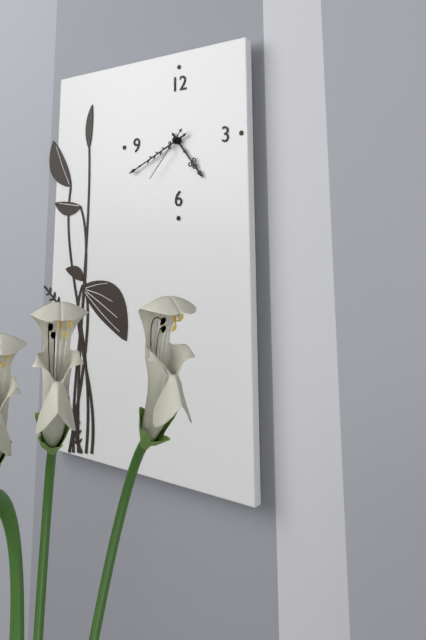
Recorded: h=4 m=41 s=37
